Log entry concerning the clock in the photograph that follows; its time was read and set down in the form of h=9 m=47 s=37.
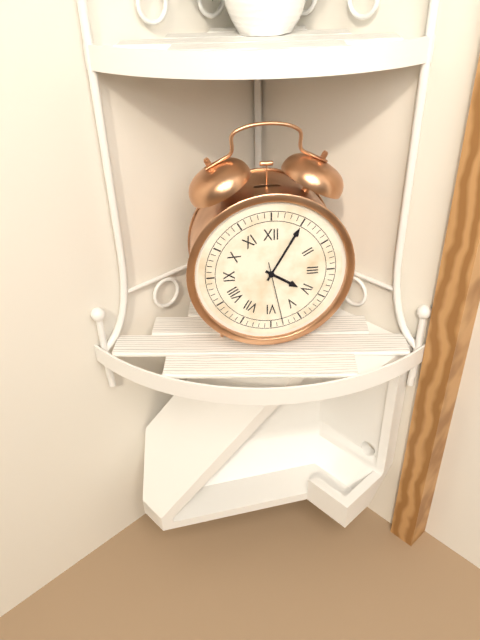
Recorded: h=4 m=5 s=28
